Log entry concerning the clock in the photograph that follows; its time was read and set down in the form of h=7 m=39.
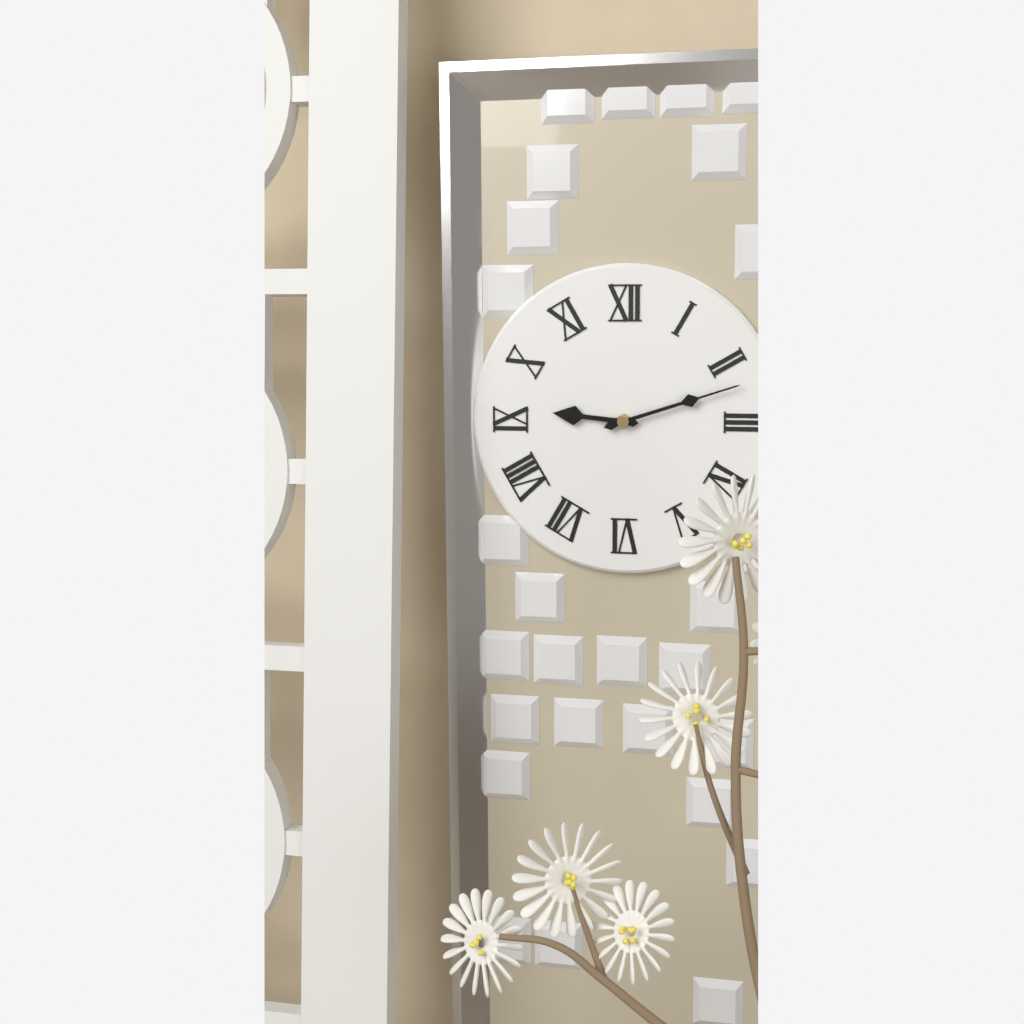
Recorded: h=9 m=12
